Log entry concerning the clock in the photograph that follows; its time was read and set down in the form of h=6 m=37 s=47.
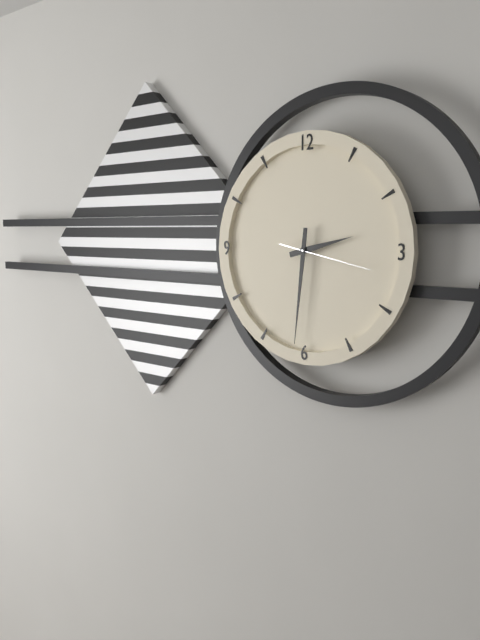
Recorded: h=2 m=31 s=17
